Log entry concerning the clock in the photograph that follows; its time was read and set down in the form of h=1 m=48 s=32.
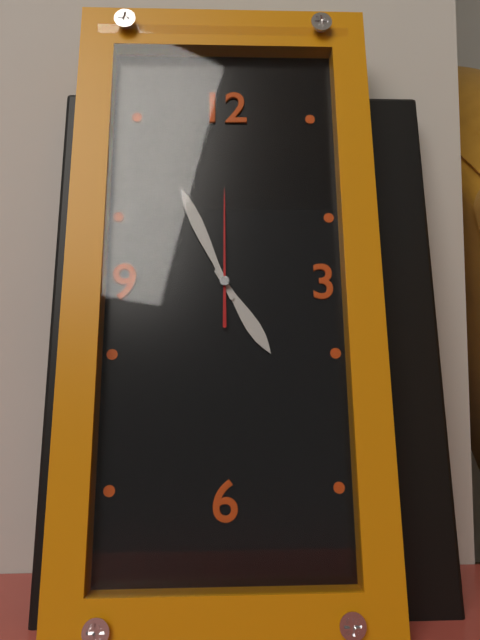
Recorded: h=4 m=56 s=0
